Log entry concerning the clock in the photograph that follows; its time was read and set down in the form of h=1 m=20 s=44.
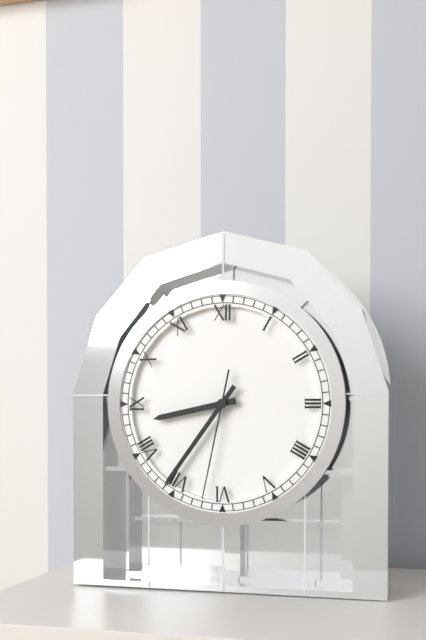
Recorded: h=8 m=36 s=32
